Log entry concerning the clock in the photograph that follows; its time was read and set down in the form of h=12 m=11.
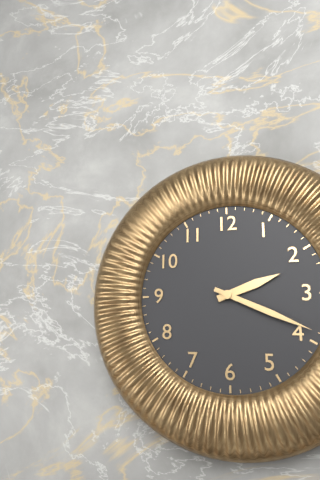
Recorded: h=2 m=19
